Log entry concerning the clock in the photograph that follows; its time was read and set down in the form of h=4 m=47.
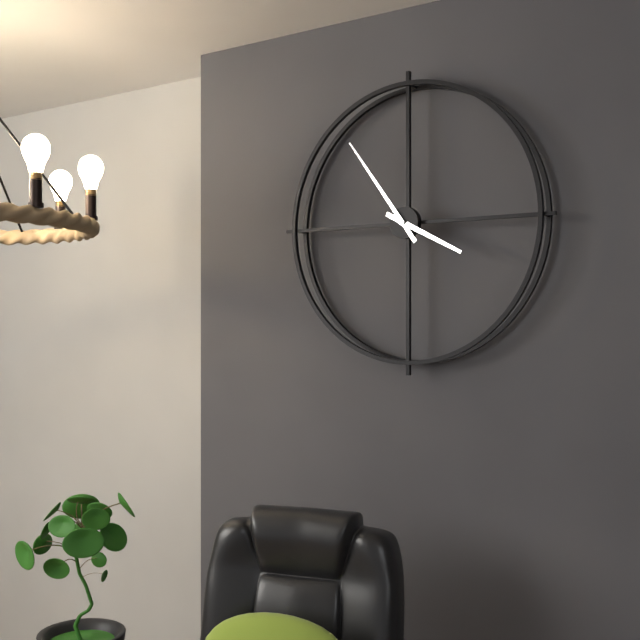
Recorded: h=3 m=54
